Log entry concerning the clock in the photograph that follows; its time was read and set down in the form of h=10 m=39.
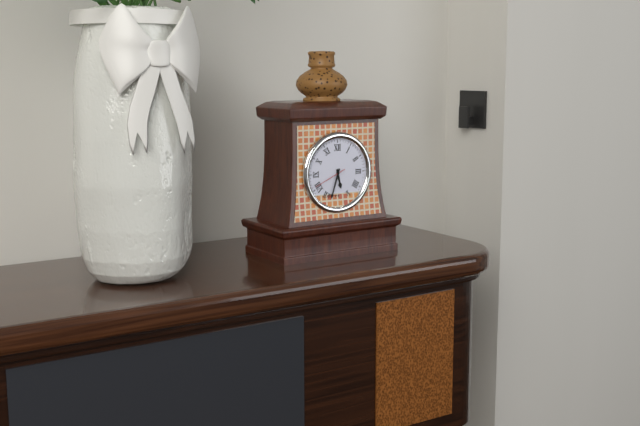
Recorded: h=5 m=33
